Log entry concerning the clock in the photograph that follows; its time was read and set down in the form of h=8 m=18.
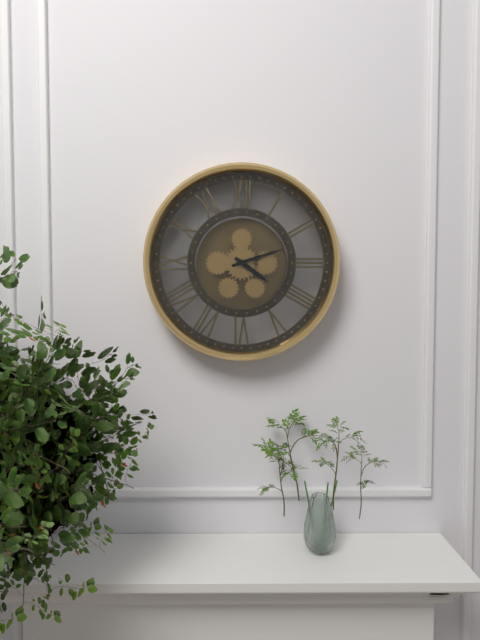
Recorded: h=4 m=12
